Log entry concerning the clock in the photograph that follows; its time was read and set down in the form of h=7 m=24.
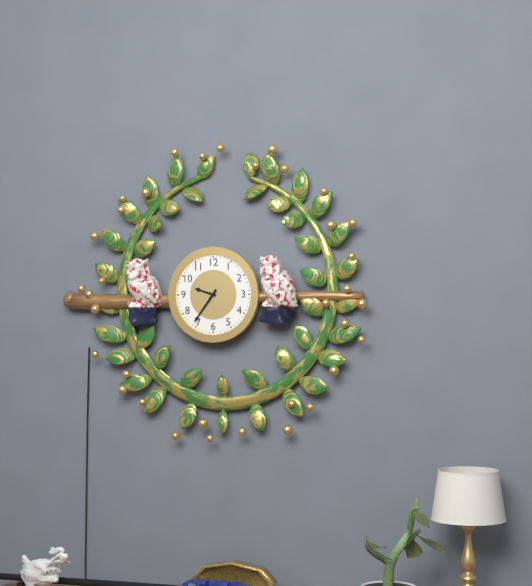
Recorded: h=9 m=36
